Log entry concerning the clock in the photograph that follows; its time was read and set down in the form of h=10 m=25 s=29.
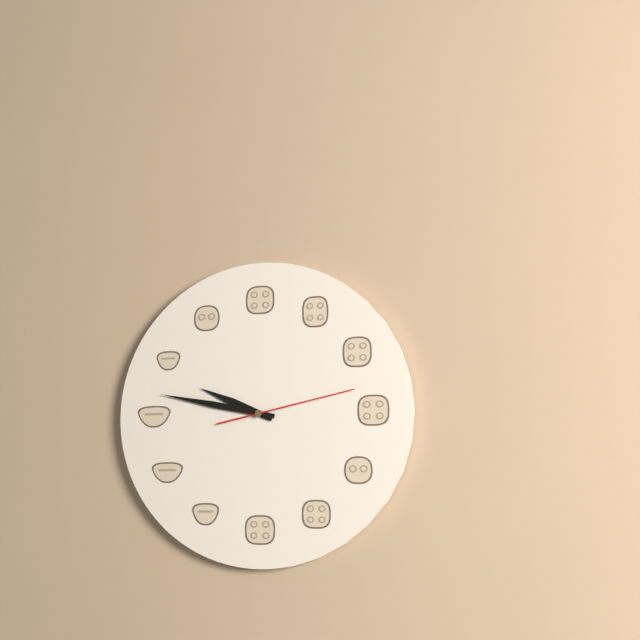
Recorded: h=9 m=47 s=13
